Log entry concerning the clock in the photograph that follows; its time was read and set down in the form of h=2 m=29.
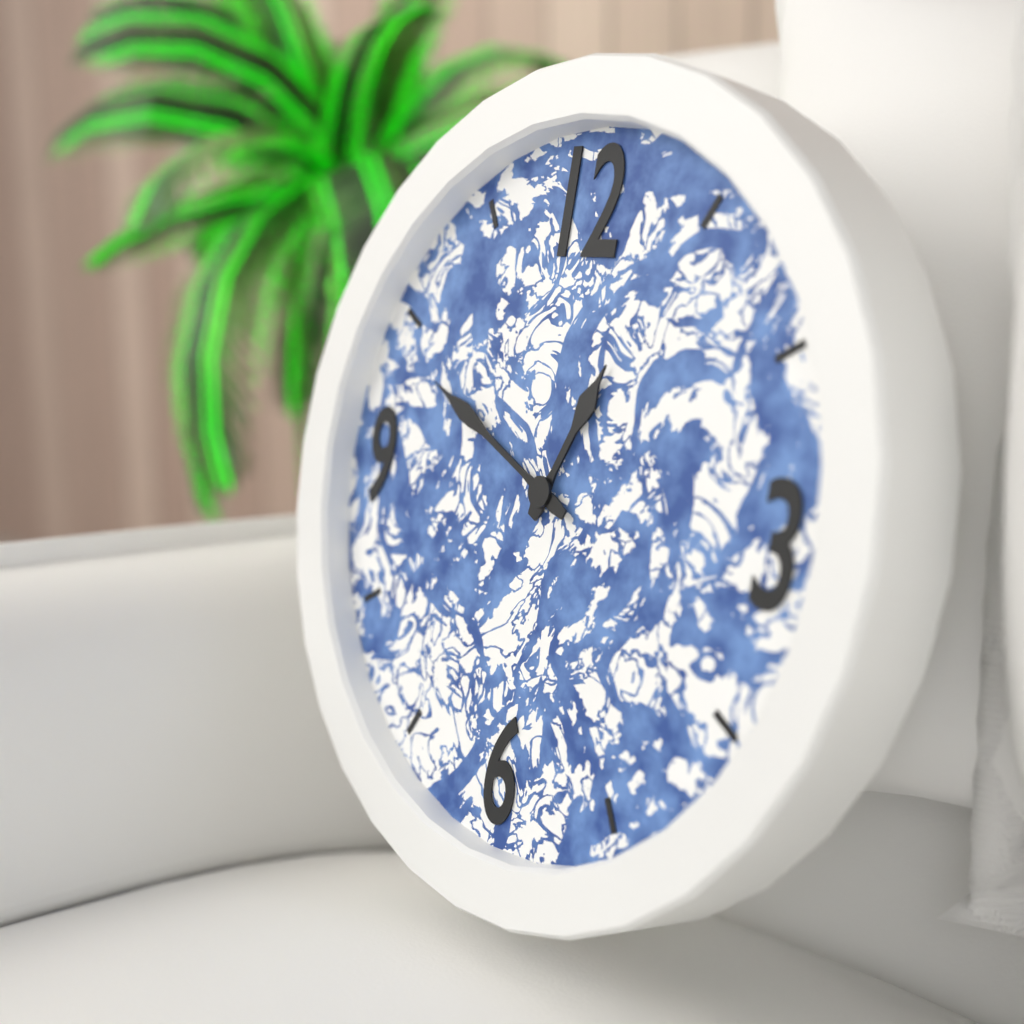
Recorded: h=12 m=49
